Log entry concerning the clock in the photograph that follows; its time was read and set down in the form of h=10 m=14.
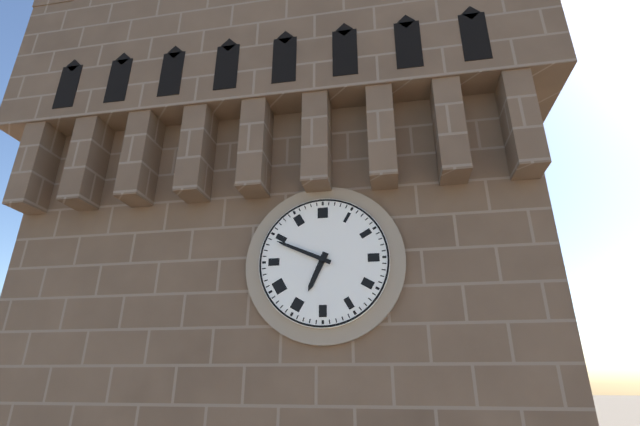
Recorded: h=6 m=49
